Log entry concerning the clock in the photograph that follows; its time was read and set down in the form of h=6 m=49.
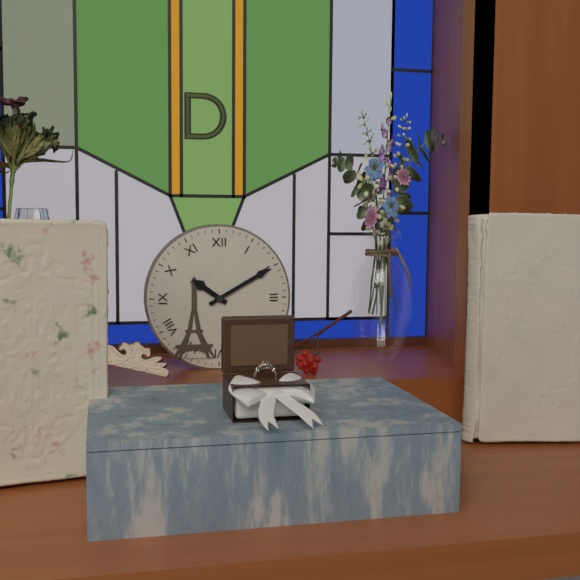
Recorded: h=10 m=10
